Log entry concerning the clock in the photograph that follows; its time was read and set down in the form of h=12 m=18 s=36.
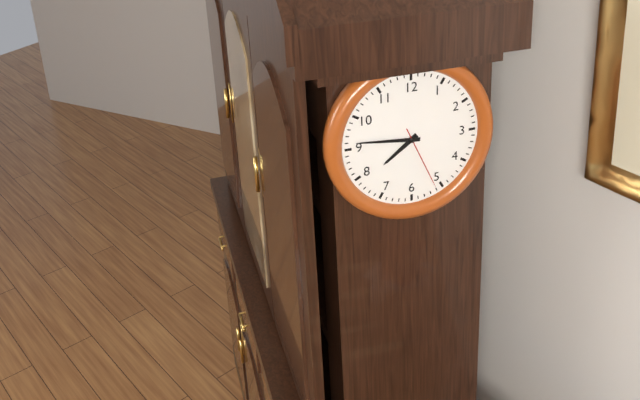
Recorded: h=7 m=46 s=26
